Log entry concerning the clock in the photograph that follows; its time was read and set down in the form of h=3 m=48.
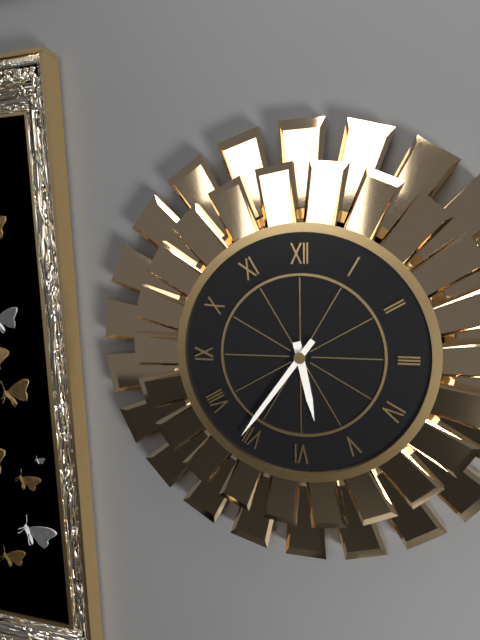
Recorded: h=5 m=36
